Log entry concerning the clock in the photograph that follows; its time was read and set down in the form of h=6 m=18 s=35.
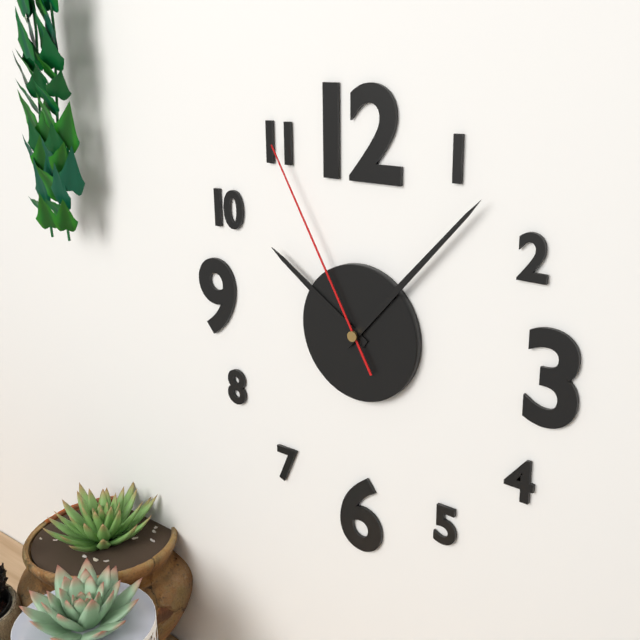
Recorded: h=10 m=7 s=55
